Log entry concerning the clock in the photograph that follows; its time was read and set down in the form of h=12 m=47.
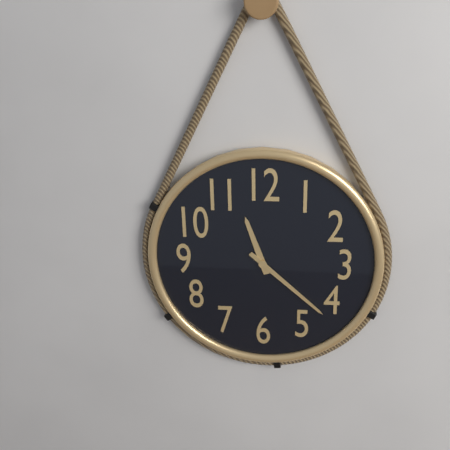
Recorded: h=11 m=22
